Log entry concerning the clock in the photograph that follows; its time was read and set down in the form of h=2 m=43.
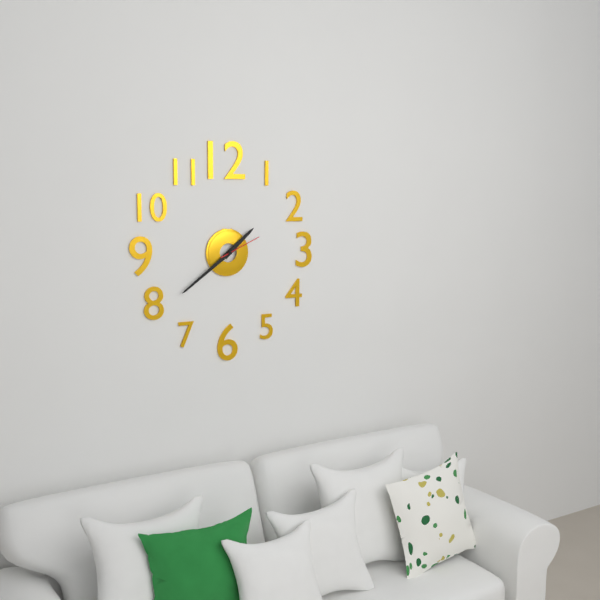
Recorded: h=1 m=39
